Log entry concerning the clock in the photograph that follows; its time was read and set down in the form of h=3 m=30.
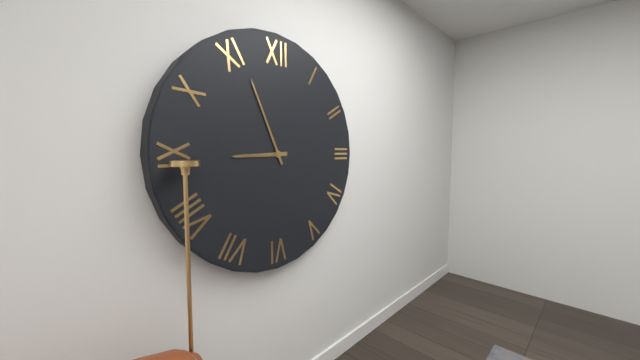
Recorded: h=8 m=56
